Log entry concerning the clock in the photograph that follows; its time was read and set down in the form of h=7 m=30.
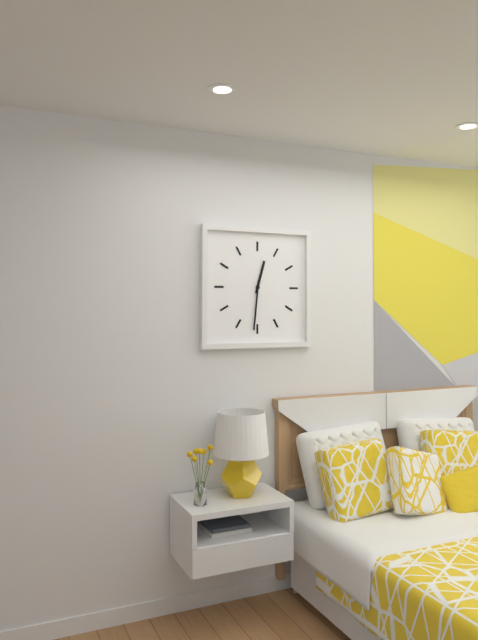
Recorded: h=12 m=31
